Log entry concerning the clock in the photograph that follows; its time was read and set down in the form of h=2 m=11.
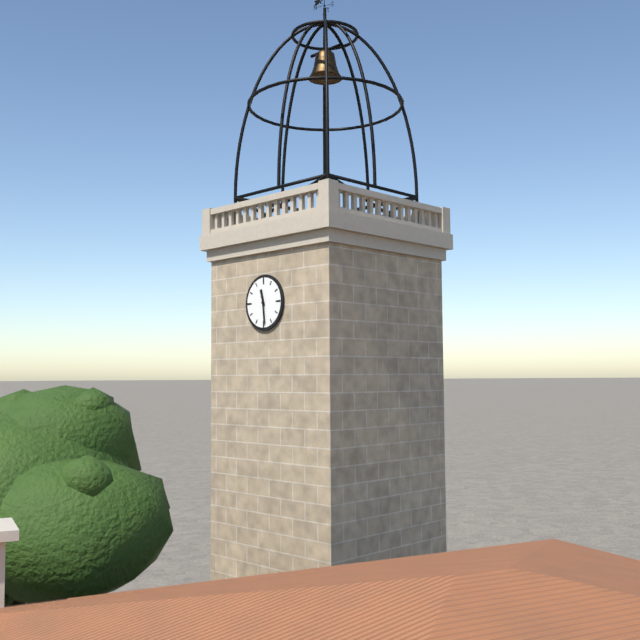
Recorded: h=11 m=29
